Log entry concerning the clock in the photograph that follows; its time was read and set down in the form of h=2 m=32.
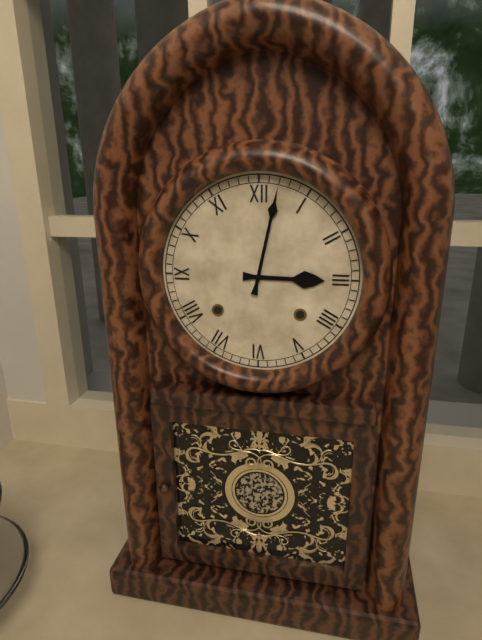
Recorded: h=3 m=2
